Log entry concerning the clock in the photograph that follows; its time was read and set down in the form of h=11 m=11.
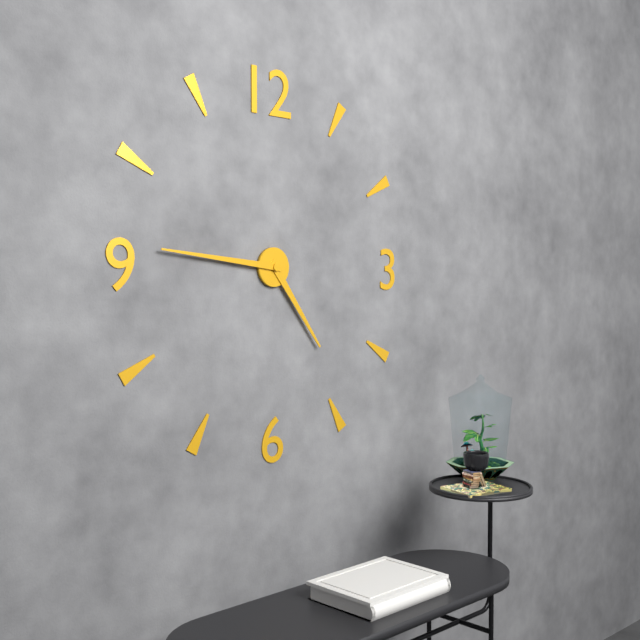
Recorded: h=4 m=46
